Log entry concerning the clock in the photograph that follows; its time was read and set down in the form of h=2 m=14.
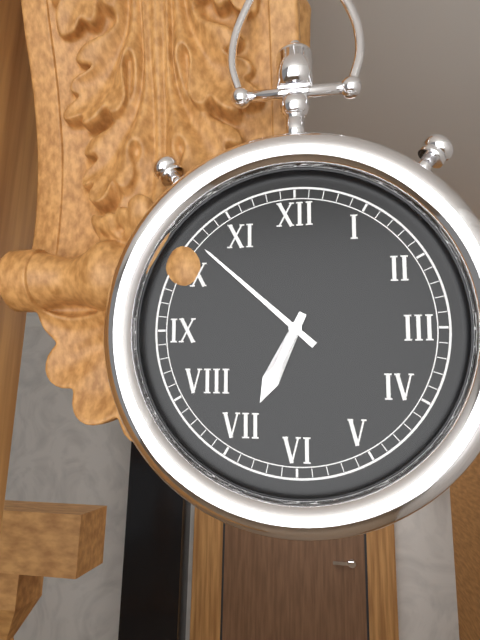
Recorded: h=6 m=52
